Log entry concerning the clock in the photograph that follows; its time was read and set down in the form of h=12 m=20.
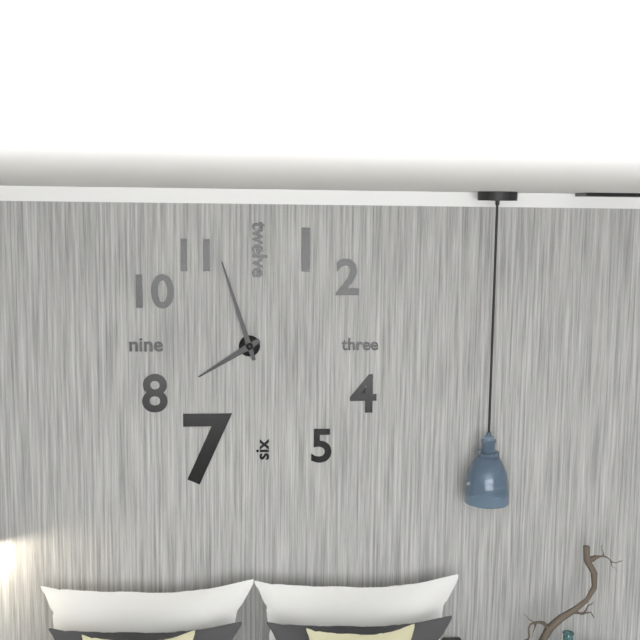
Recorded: h=7 m=57
